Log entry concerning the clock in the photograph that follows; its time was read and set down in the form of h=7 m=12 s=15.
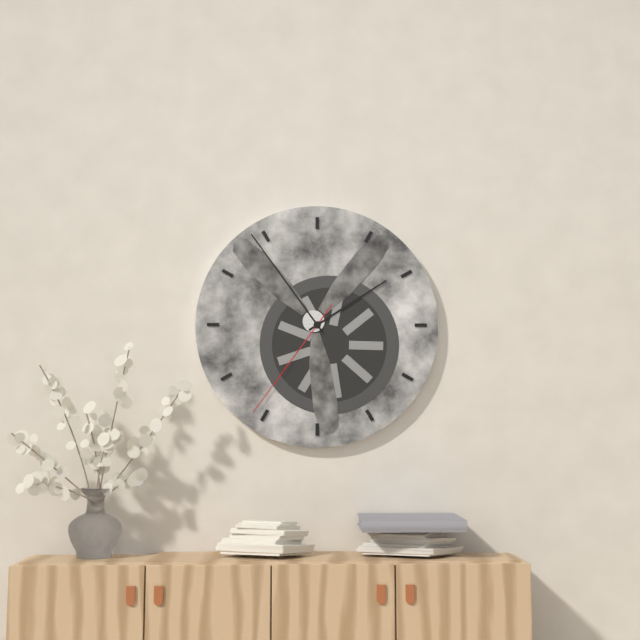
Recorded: h=1 m=54 s=36
